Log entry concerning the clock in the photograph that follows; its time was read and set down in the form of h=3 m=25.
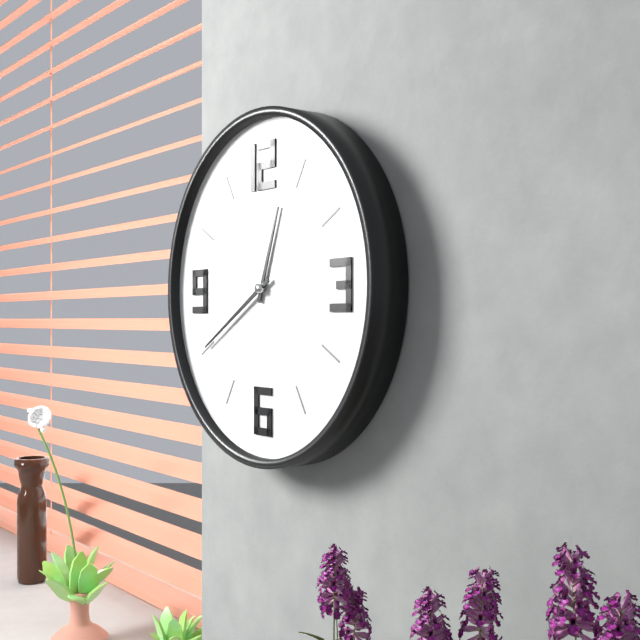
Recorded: h=12 m=40
